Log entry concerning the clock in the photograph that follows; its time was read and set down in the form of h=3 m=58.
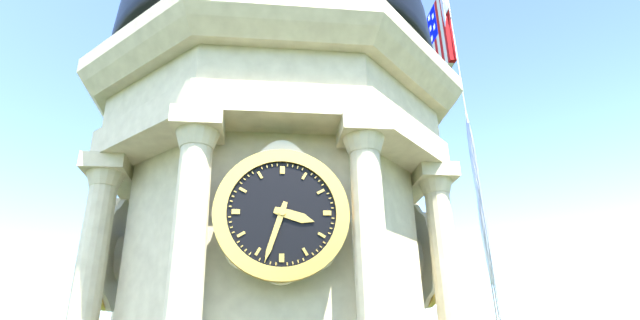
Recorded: h=3 m=33
